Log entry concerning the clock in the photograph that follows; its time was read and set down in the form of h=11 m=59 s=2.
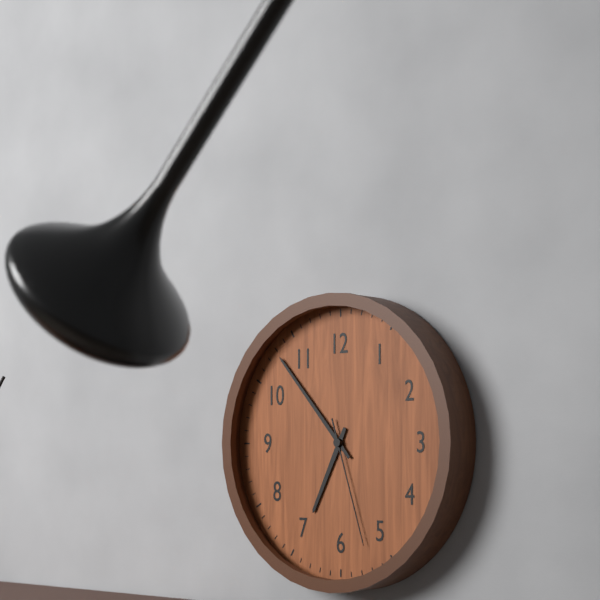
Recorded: h=6 m=53 s=27
